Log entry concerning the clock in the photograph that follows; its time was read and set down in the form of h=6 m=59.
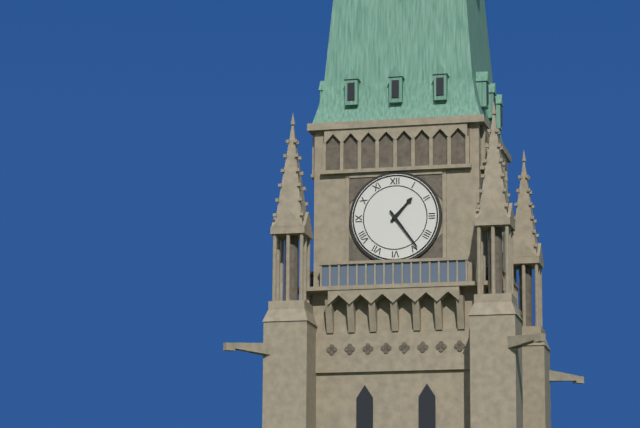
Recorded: h=1 m=24
